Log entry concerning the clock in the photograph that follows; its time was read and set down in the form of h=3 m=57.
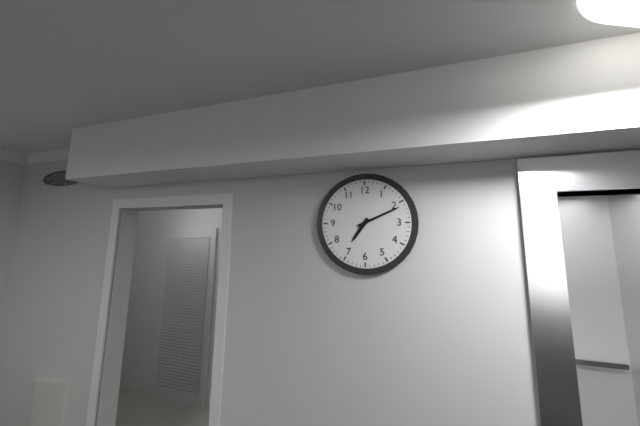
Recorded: h=7 m=11
